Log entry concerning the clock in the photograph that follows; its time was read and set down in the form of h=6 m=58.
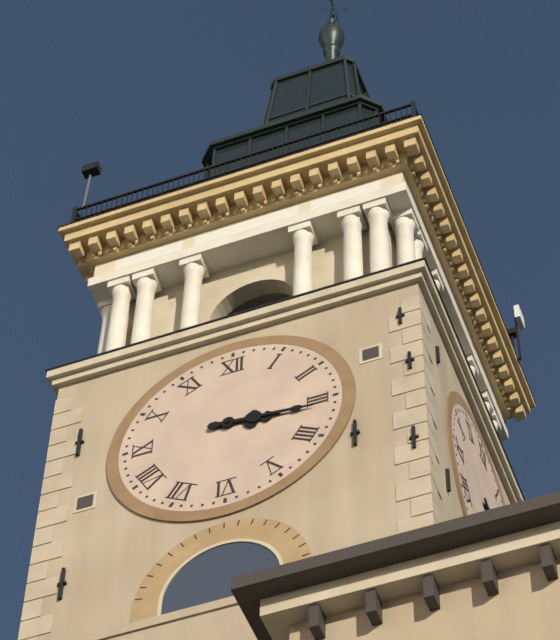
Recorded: h=3 m=16
